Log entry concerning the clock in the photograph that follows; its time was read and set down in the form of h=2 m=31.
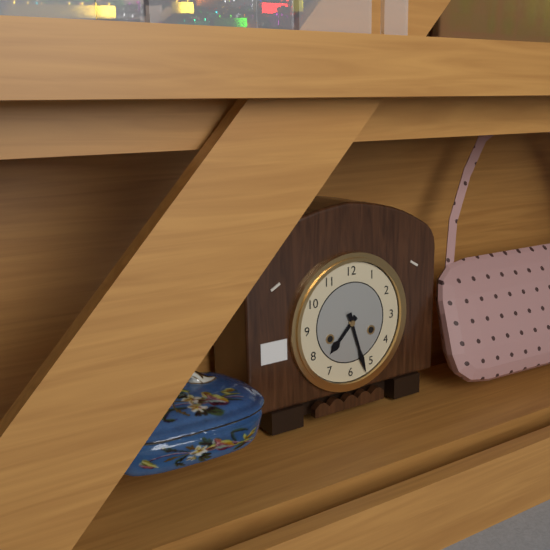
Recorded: h=7 m=27
